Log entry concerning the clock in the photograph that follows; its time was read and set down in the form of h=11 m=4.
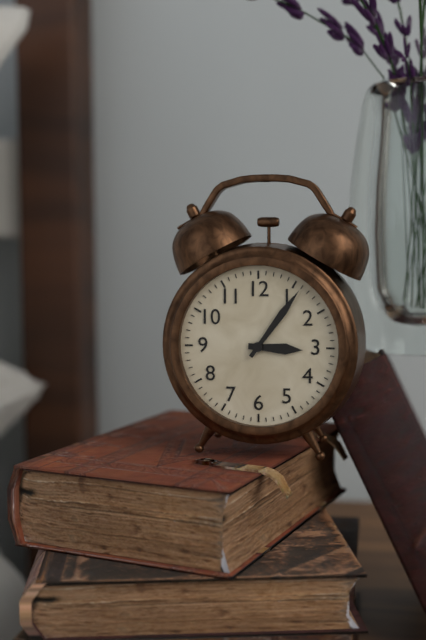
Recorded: h=3 m=6
